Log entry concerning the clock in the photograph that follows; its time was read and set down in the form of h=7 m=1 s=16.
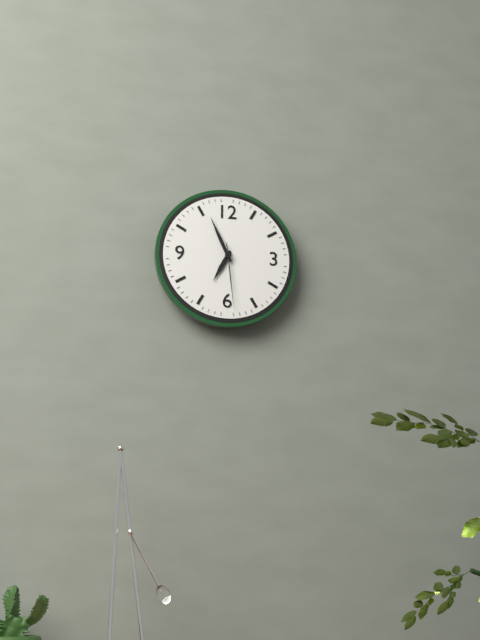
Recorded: h=6 m=56 s=29
